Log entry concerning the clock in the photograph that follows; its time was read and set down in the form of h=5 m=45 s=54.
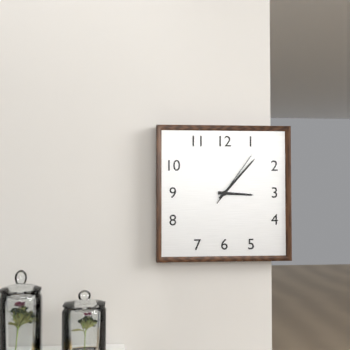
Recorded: h=3 m=7 s=6
